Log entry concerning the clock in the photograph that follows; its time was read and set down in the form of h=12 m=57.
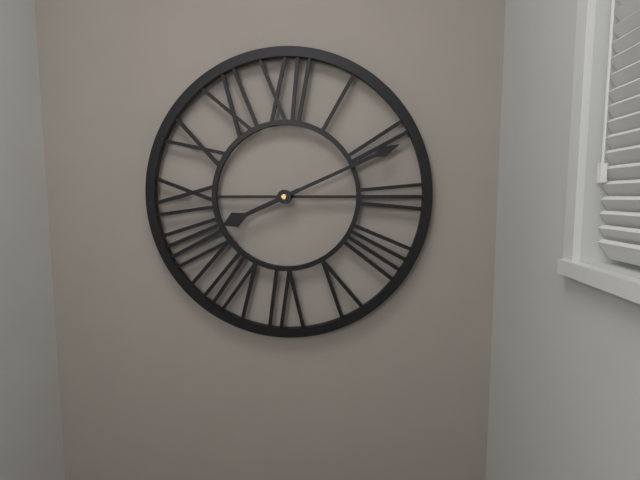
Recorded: h=8 m=11
